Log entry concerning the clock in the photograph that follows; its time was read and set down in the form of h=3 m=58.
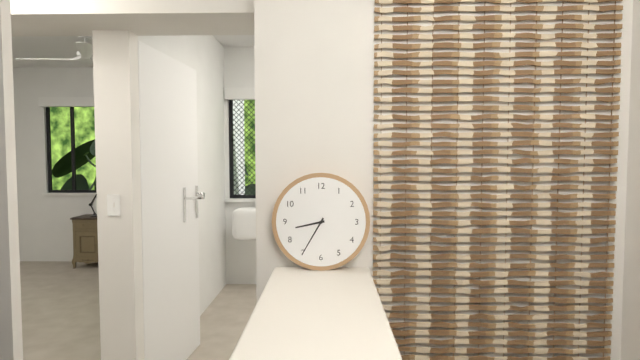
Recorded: h=8 m=35
